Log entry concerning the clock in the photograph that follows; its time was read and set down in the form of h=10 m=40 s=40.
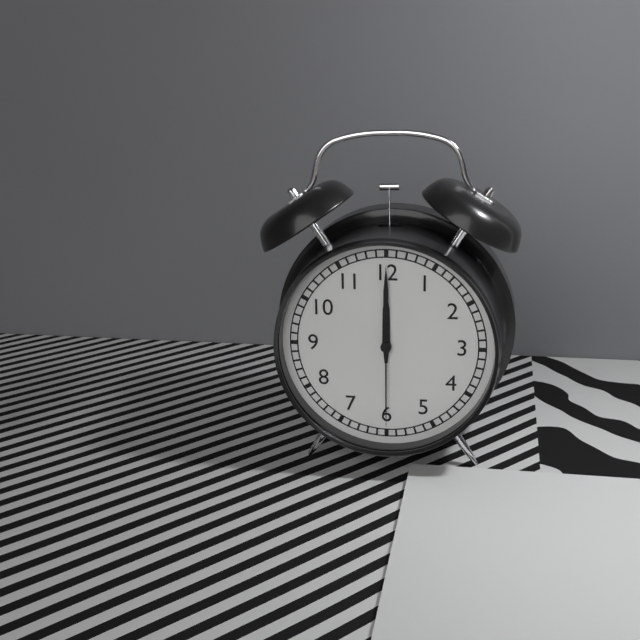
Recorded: h=12 m=0 s=30
